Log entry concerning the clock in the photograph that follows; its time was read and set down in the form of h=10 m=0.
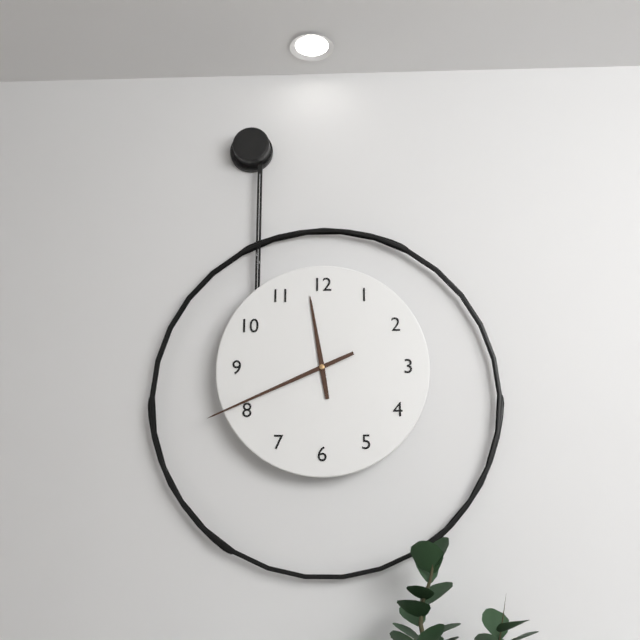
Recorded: h=11 m=41
